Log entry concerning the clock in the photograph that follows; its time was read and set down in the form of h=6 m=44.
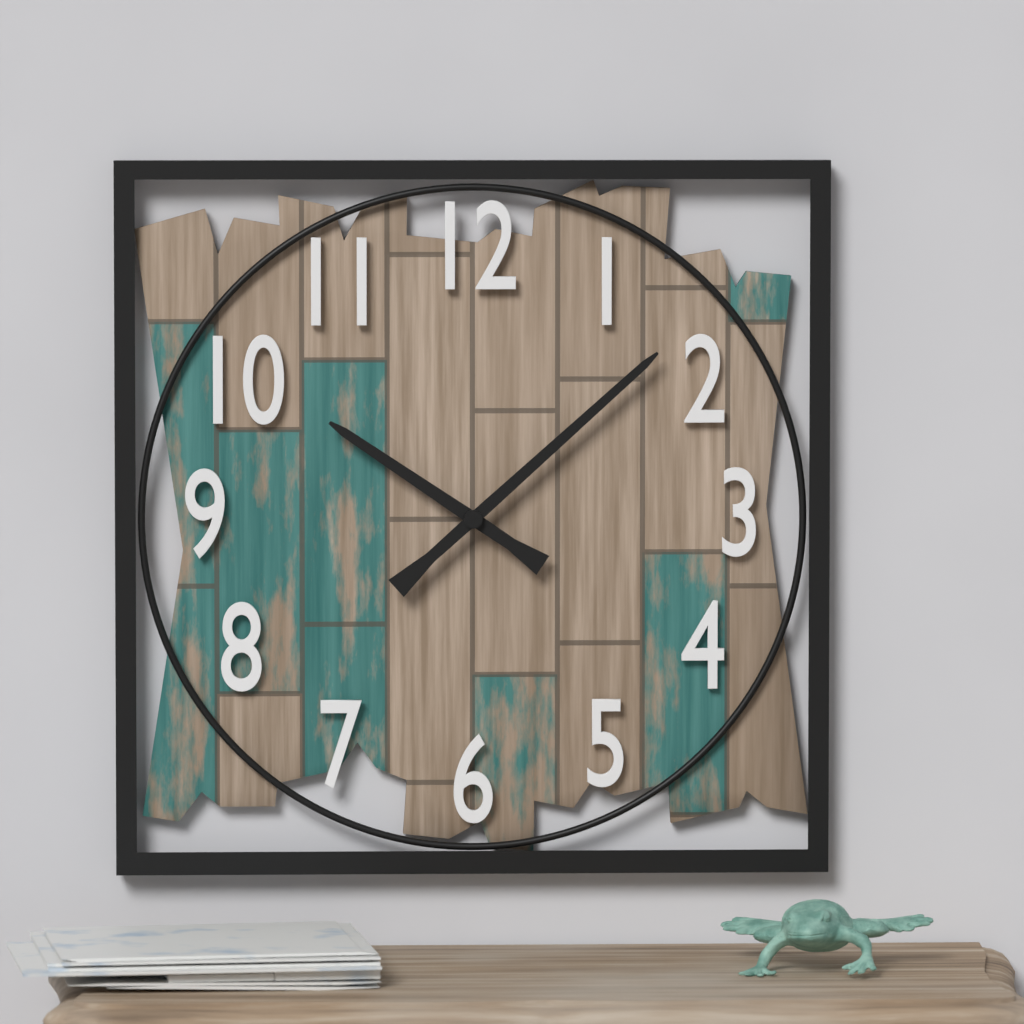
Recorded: h=10 m=8
